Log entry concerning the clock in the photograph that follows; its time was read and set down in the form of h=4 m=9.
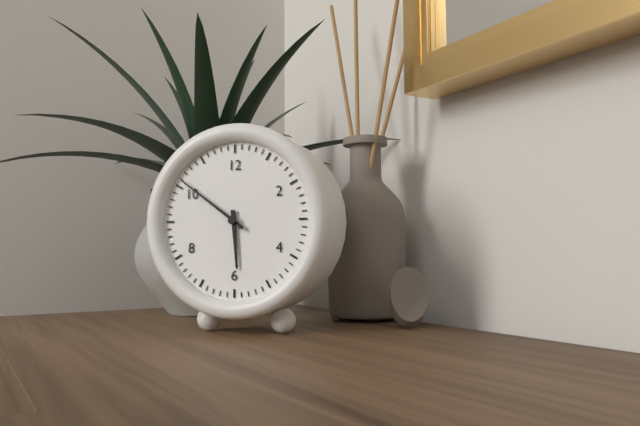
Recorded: h=5 m=51
